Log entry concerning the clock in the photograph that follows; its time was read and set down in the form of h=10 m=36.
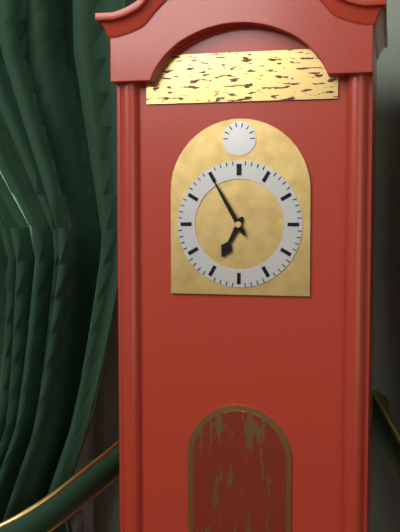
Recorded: h=6 m=55
